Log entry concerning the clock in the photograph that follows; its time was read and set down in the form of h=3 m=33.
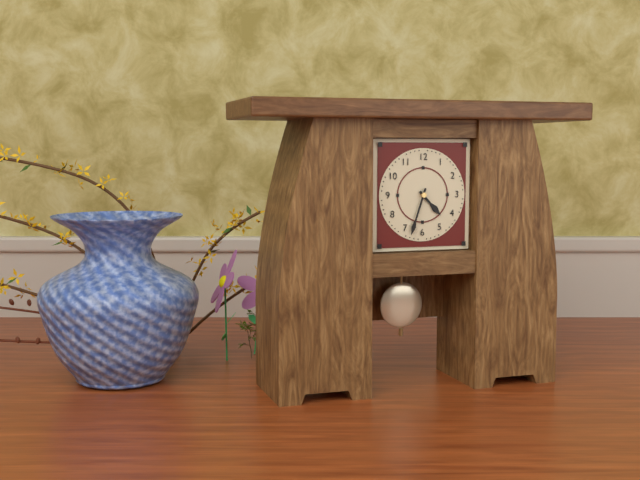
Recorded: h=4 m=33
